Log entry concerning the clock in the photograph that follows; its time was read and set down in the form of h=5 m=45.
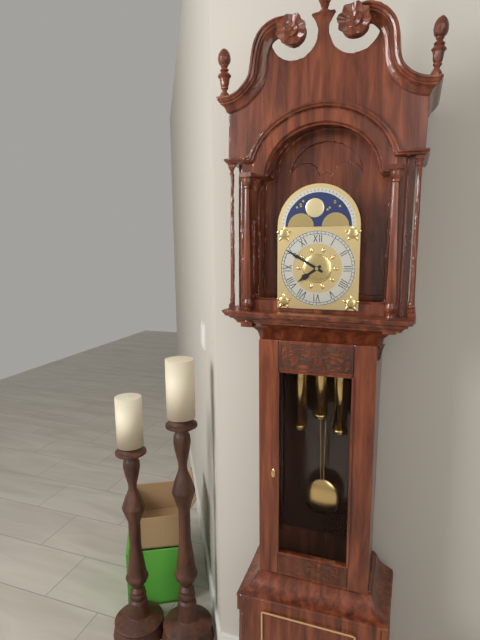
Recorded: h=7 m=50
